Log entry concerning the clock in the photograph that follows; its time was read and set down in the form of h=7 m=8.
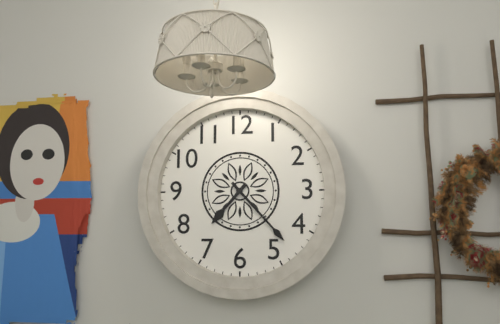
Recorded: h=7 m=23
